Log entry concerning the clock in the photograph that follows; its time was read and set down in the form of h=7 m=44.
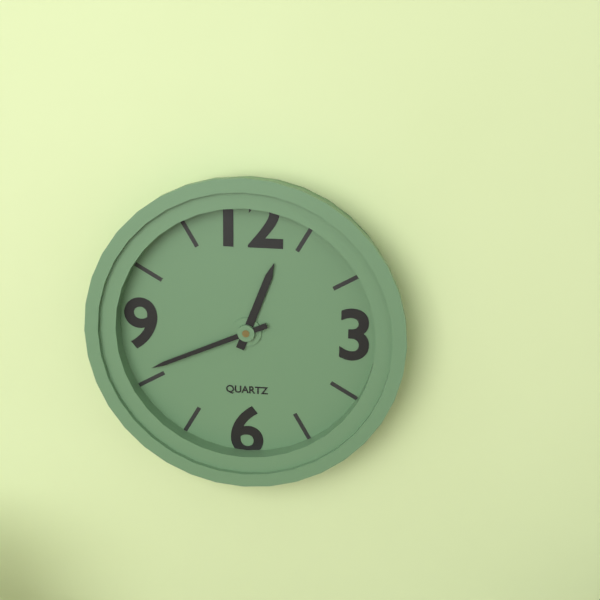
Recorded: h=12 m=41
